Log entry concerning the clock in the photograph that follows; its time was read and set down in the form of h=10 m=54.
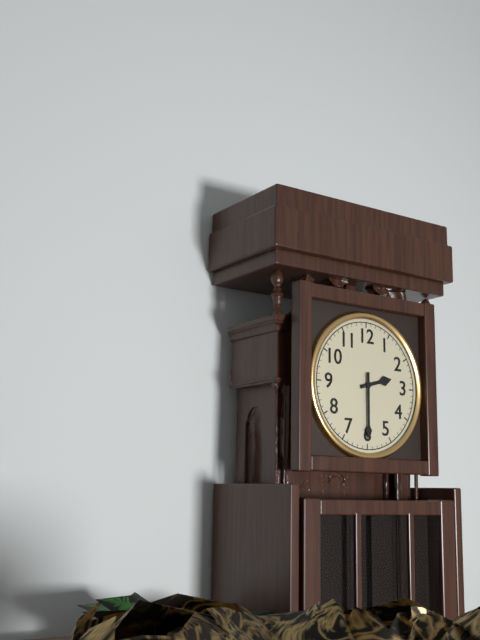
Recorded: h=2 m=30
